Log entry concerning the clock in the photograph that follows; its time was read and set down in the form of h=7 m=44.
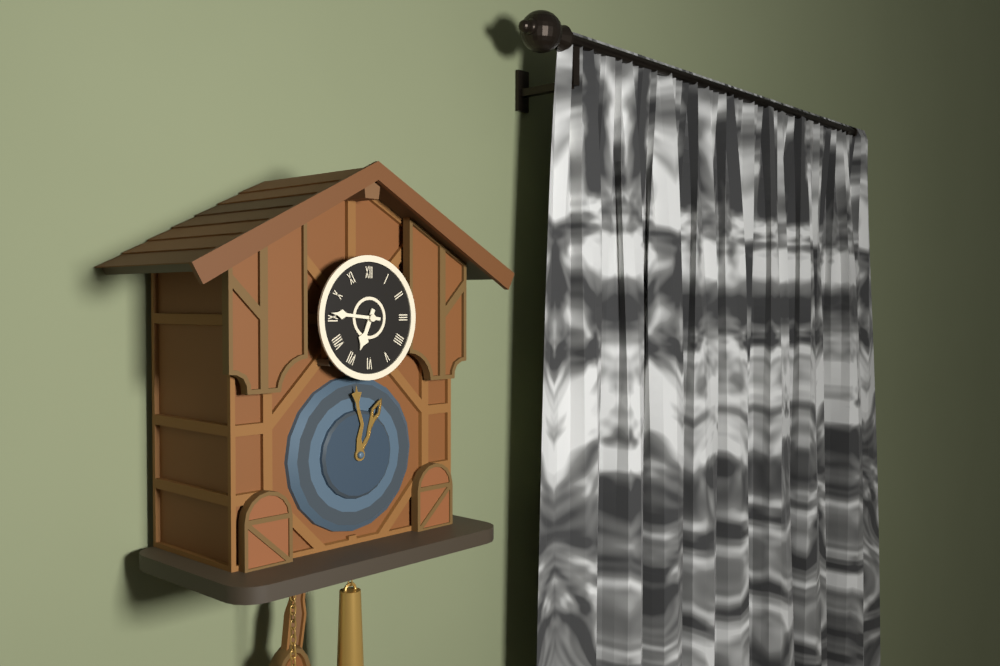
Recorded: h=6 m=46
